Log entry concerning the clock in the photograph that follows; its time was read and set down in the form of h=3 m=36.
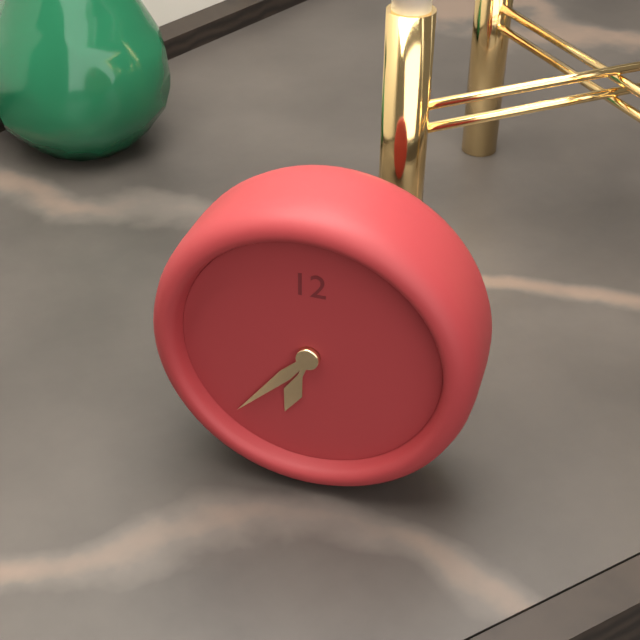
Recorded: h=6 m=37
